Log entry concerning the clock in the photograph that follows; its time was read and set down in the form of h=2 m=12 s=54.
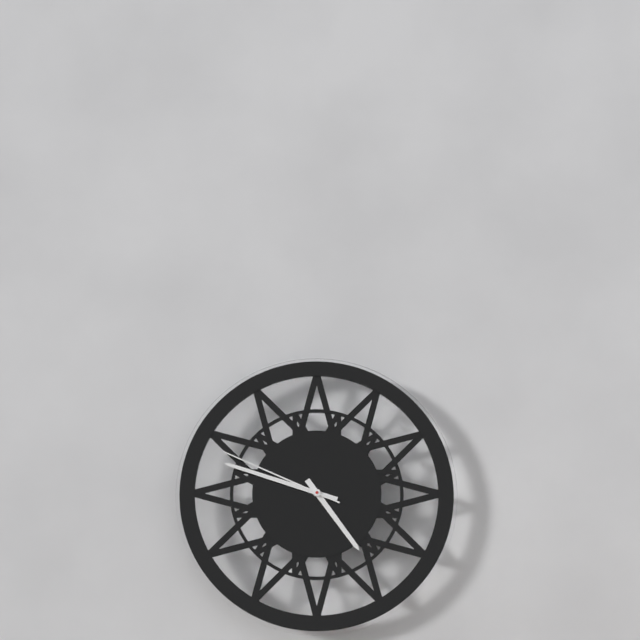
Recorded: h=4 m=48 s=49
